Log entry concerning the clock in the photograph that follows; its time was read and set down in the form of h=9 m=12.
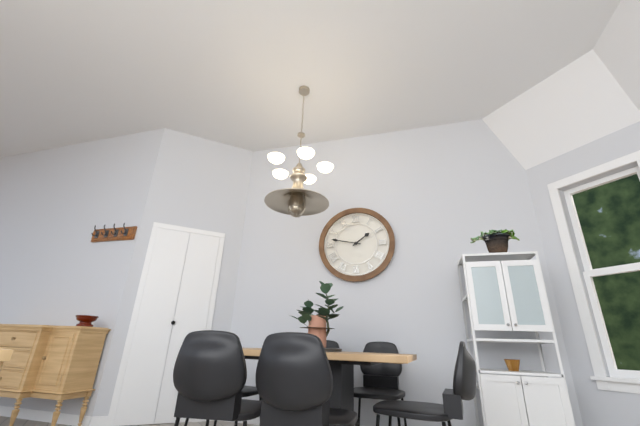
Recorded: h=1 m=47
